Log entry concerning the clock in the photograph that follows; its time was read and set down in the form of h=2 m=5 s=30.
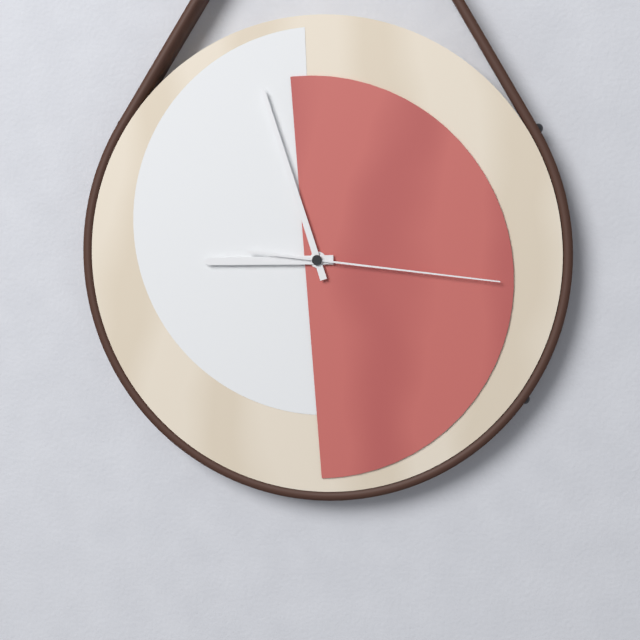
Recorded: h=8 m=57 s=16
